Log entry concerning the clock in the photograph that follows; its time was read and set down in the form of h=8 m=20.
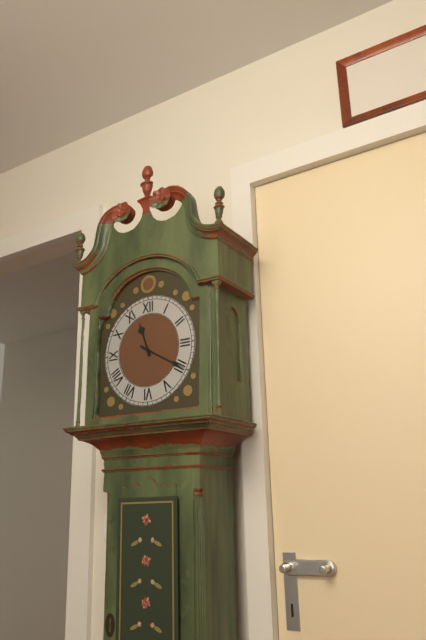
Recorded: h=11 m=20
